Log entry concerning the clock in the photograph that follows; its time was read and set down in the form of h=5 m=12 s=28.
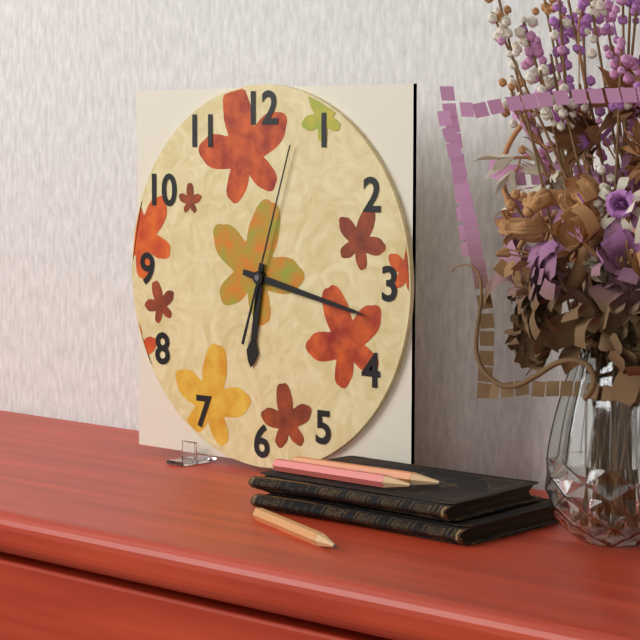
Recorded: h=6 m=17 s=3
